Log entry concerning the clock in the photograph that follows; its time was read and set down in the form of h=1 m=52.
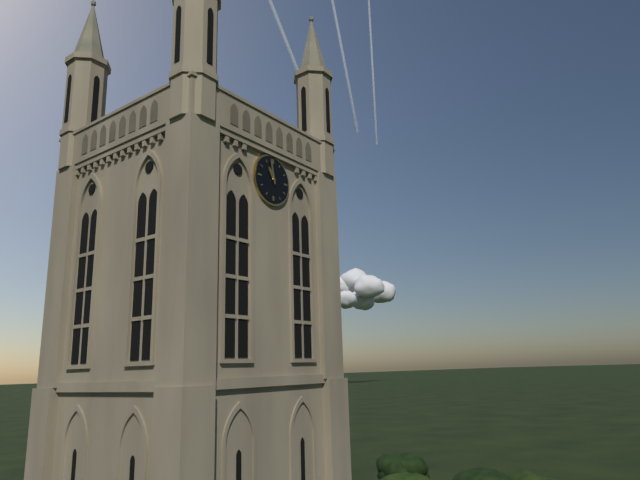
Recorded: h=10 m=58
